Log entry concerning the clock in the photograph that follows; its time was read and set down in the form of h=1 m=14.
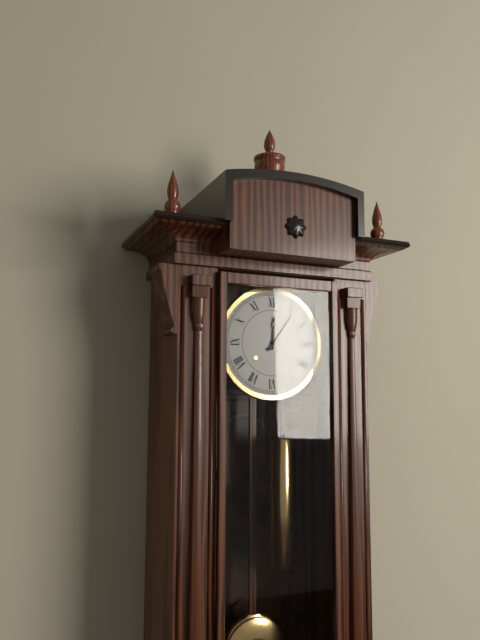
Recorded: h=12 m=6
